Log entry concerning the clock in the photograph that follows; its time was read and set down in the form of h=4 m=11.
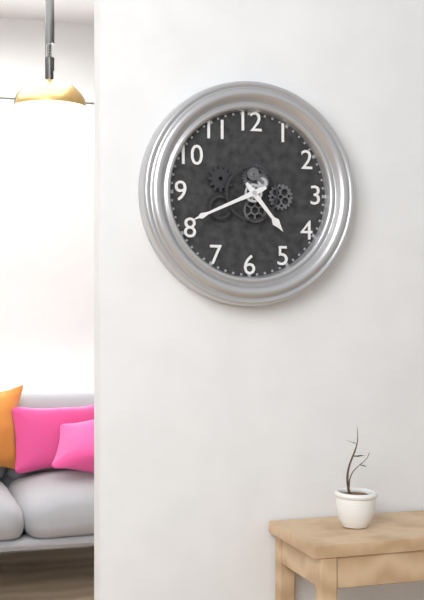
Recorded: h=4 m=41
